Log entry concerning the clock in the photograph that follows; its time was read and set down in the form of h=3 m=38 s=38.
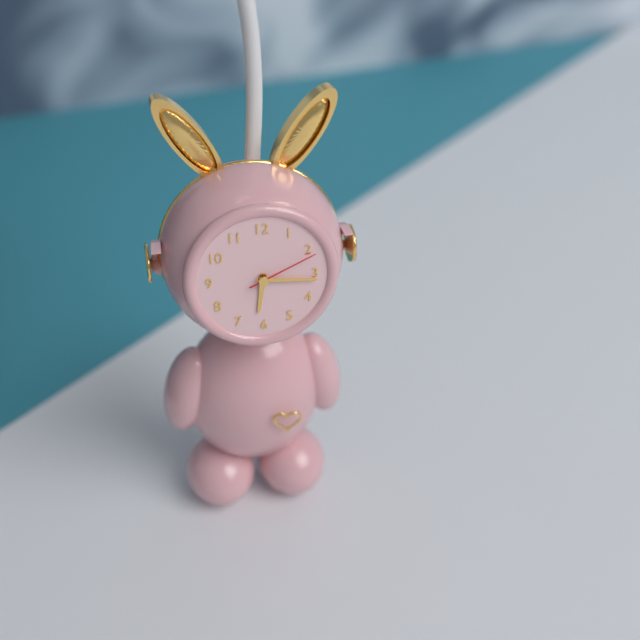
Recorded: h=6 m=16 s=11
